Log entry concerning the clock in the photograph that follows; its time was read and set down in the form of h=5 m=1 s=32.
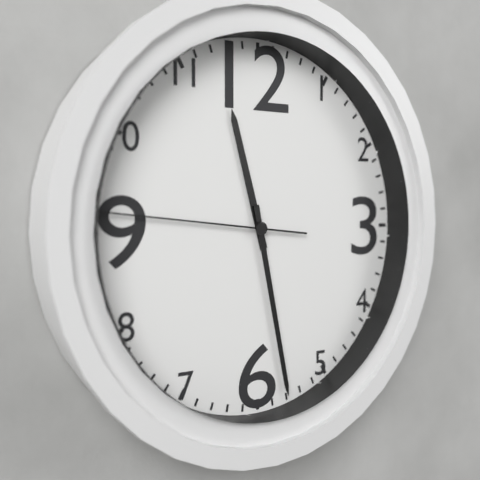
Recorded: h=11 m=28 s=46
